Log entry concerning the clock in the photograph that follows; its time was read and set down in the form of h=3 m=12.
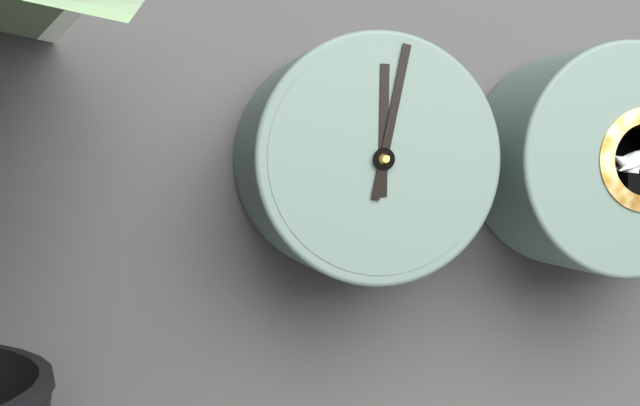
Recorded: h=12 m=2
